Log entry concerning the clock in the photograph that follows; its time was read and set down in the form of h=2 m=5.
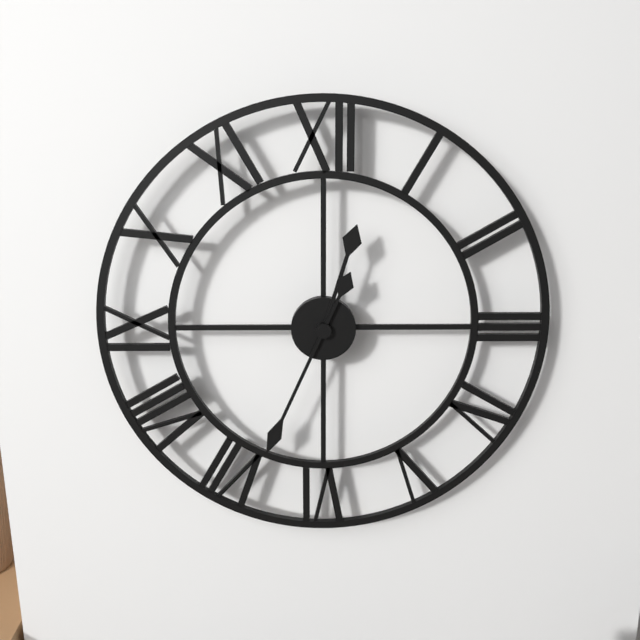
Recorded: h=12 m=34
